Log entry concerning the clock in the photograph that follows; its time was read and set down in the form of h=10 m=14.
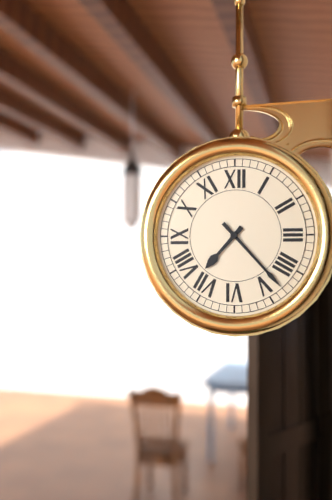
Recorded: h=7 m=23
